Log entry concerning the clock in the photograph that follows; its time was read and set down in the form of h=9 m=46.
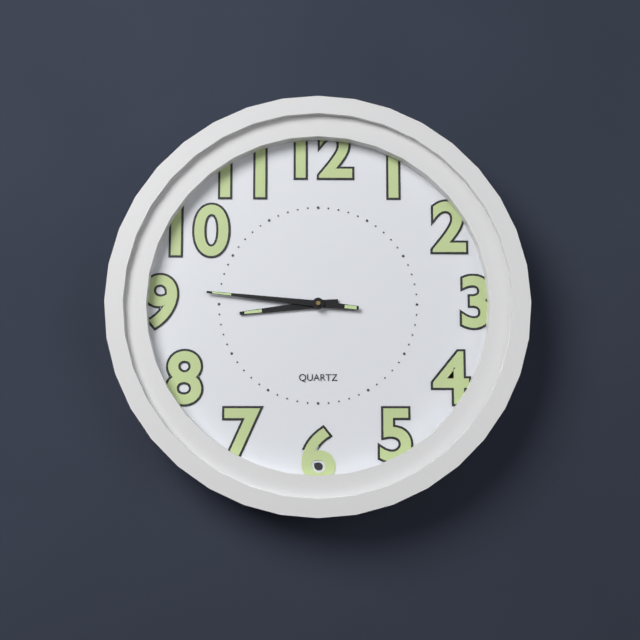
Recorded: h=8 m=46
